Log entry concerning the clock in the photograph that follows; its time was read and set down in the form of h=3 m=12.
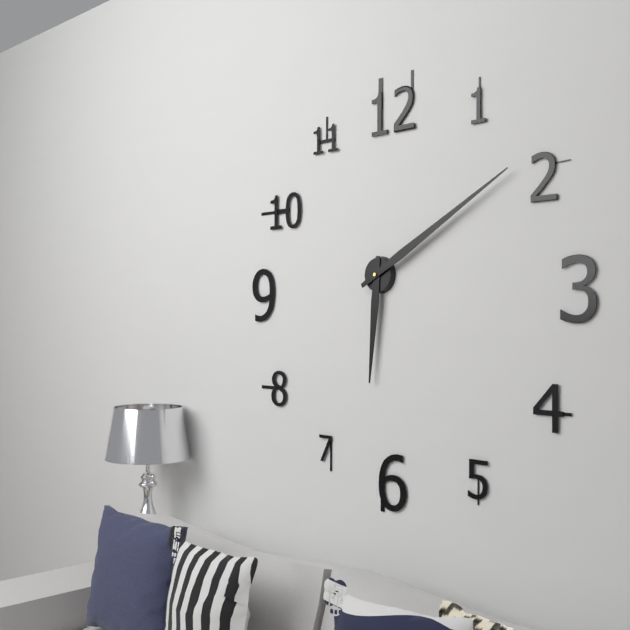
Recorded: h=6 m=10
